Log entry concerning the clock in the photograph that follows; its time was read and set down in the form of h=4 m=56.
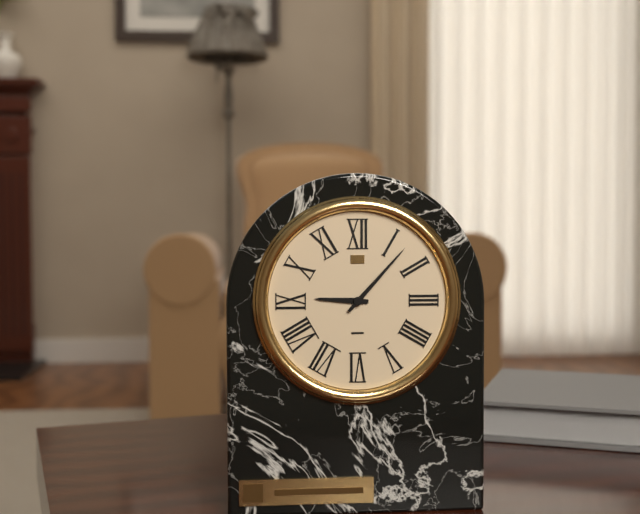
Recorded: h=9 m=7
